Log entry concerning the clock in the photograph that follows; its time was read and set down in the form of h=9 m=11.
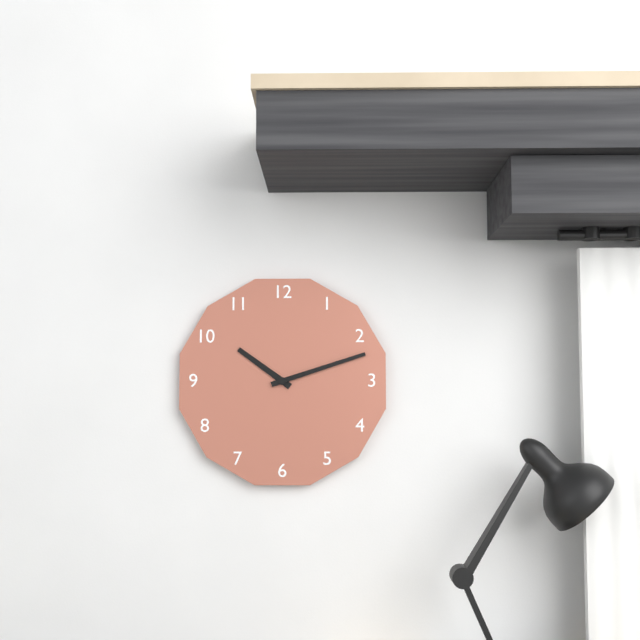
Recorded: h=10 m=12
